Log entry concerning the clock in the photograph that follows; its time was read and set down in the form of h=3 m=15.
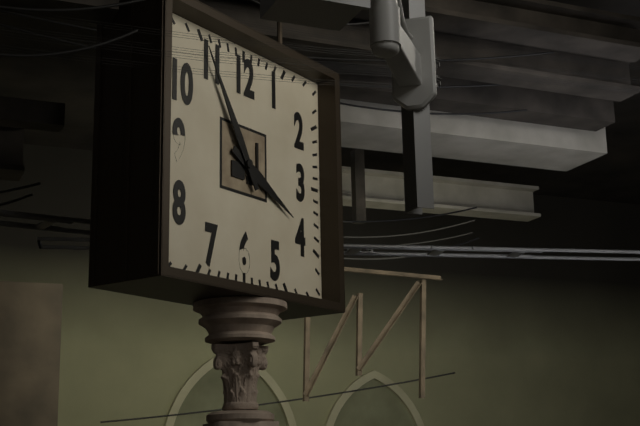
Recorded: h=3 m=55
